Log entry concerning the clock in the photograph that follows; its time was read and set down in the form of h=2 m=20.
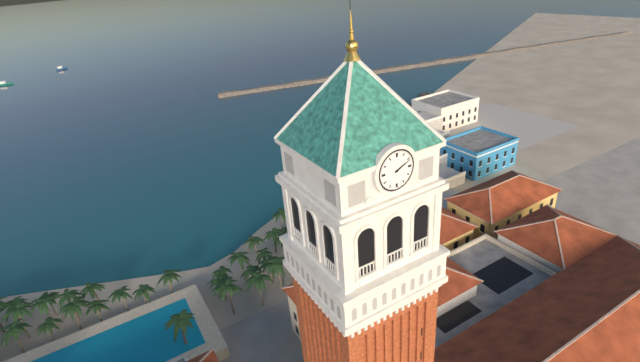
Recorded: h=2 m=11
